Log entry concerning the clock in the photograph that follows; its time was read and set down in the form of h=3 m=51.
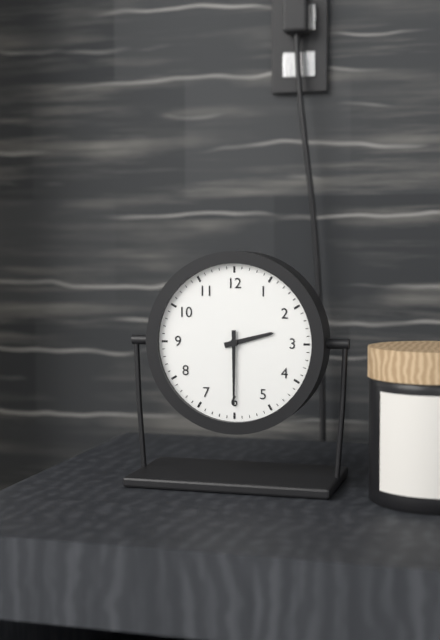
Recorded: h=2 m=30
